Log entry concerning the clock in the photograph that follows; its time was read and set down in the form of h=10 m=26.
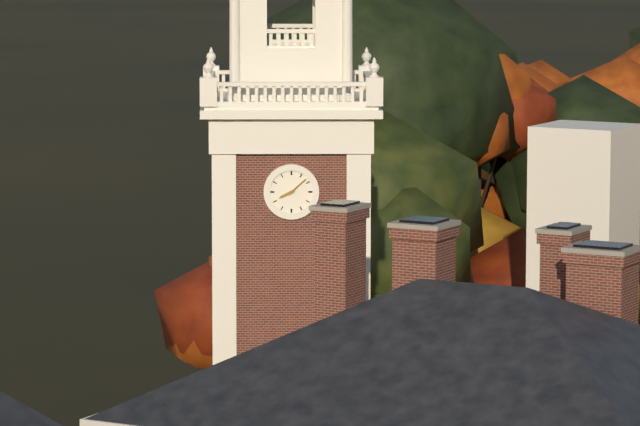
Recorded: h=8 m=8
